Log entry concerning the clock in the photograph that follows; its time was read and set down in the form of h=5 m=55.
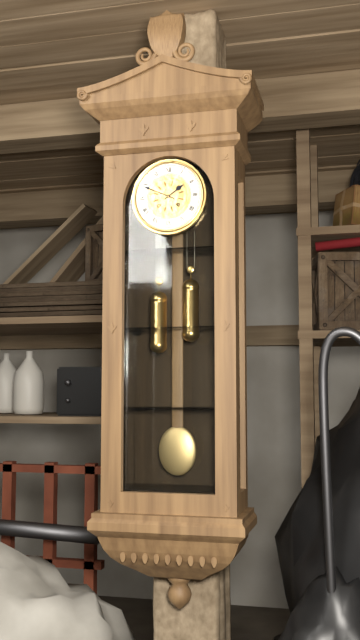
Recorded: h=1 m=49
